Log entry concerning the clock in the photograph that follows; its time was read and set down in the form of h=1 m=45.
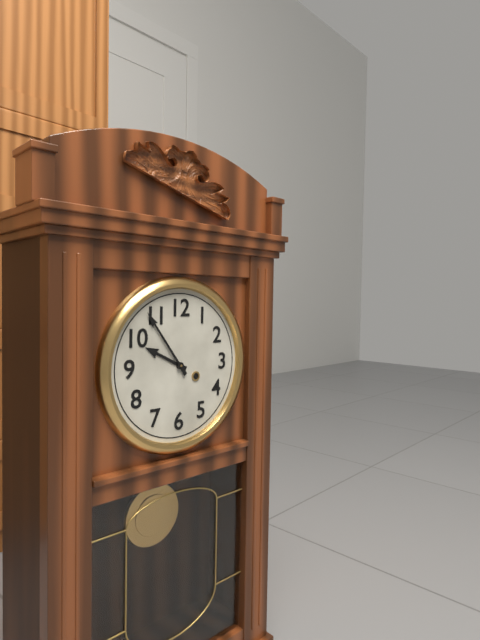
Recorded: h=9 m=54
